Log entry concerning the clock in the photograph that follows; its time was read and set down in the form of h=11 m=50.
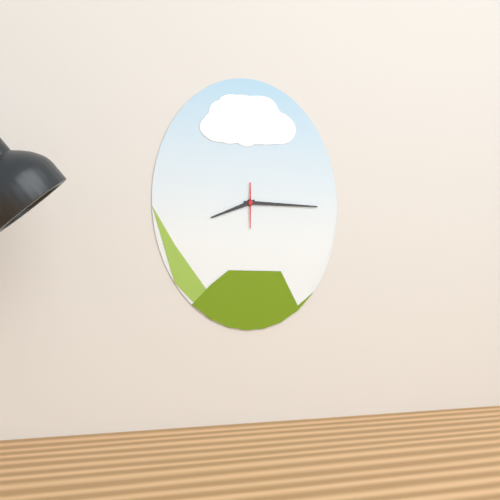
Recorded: h=8 m=15
